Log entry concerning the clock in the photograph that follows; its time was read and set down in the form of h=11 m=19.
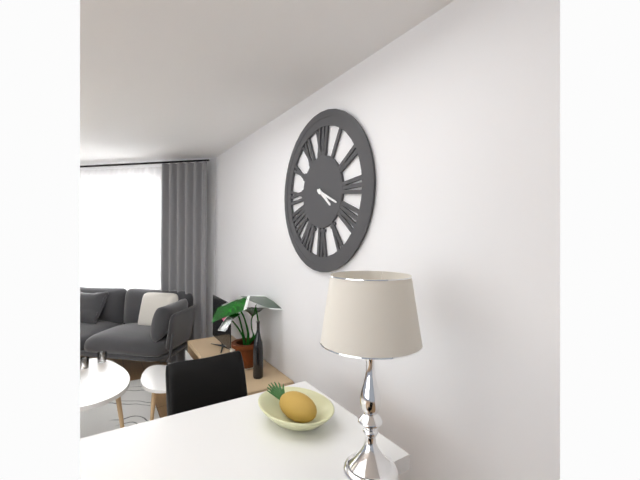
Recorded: h=4 m=19
